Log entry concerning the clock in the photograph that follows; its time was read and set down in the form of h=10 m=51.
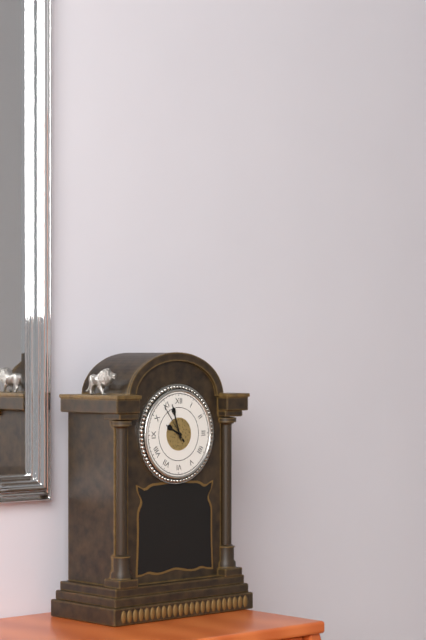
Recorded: h=9 m=57
